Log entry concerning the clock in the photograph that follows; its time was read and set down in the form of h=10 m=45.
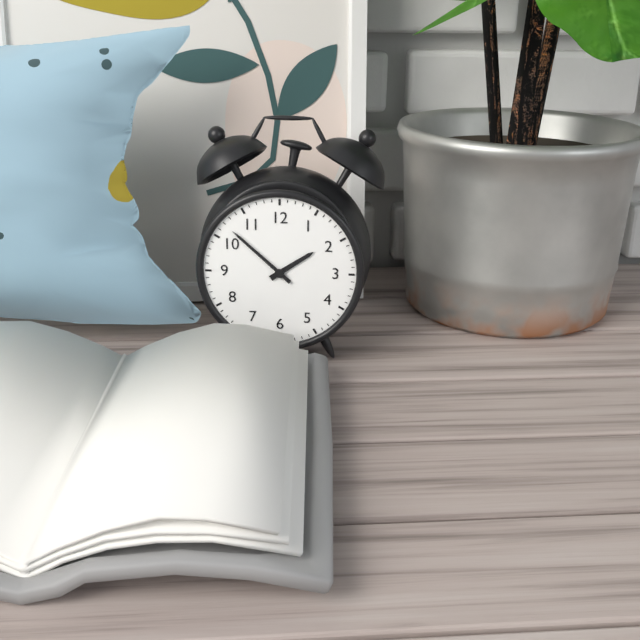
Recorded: h=1 m=52
